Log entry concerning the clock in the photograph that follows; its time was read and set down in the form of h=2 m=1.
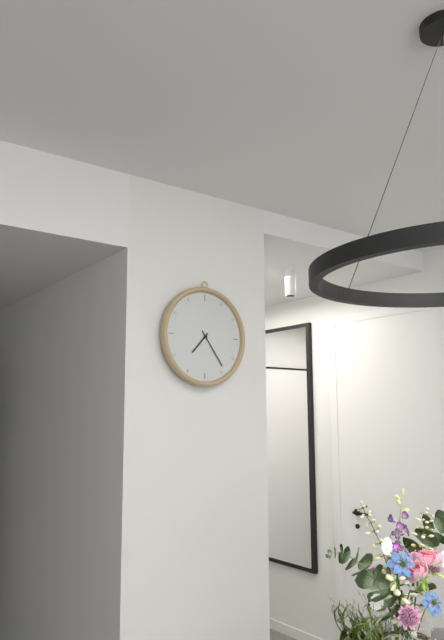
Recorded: h=7 m=24
